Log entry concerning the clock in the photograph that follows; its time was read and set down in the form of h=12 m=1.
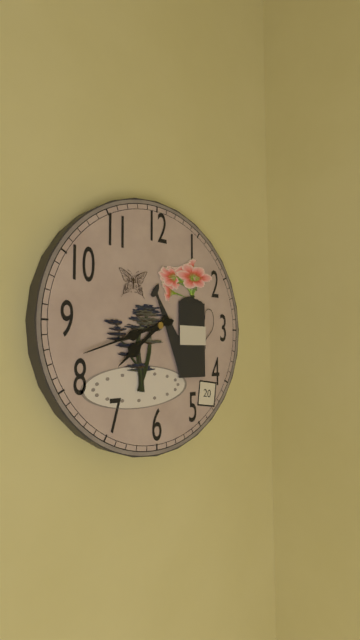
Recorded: h=7 m=42
